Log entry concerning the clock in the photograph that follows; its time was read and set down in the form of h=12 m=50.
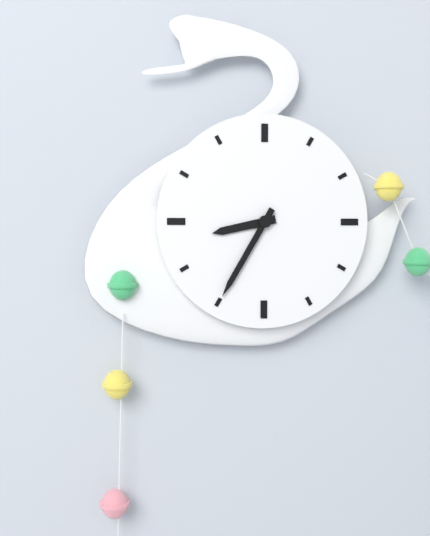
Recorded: h=8 m=35
